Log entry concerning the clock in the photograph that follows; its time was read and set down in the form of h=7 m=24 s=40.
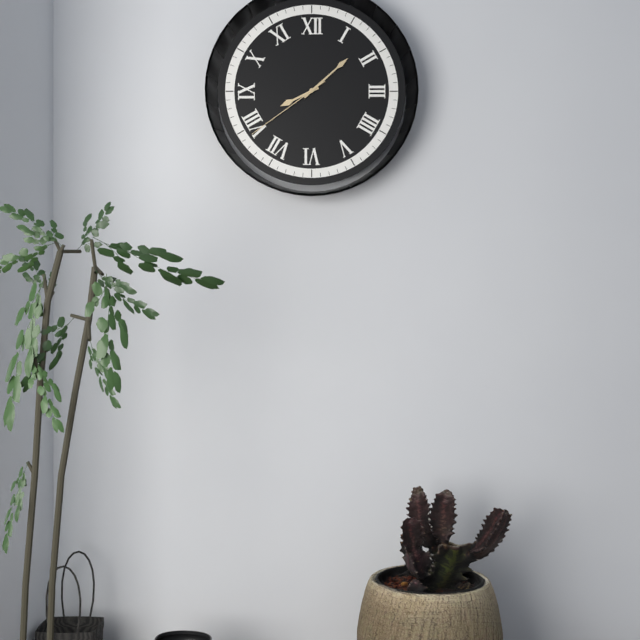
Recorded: h=8 m=8 s=39
